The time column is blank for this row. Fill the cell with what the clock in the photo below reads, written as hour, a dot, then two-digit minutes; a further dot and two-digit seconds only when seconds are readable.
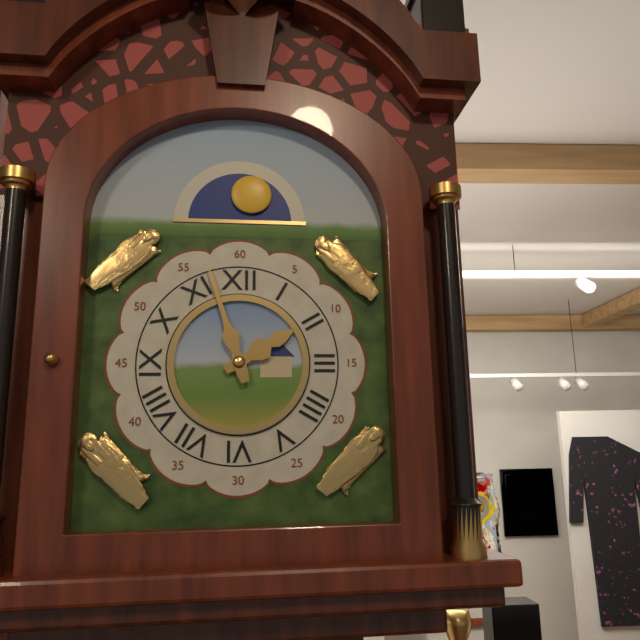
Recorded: 1.57
